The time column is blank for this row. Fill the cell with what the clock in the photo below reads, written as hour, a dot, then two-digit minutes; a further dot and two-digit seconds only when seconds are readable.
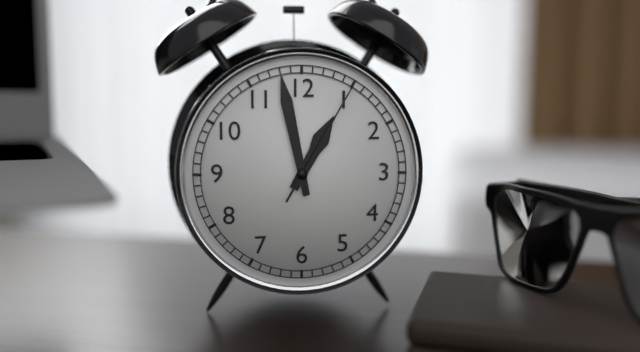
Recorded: 12.58.05
